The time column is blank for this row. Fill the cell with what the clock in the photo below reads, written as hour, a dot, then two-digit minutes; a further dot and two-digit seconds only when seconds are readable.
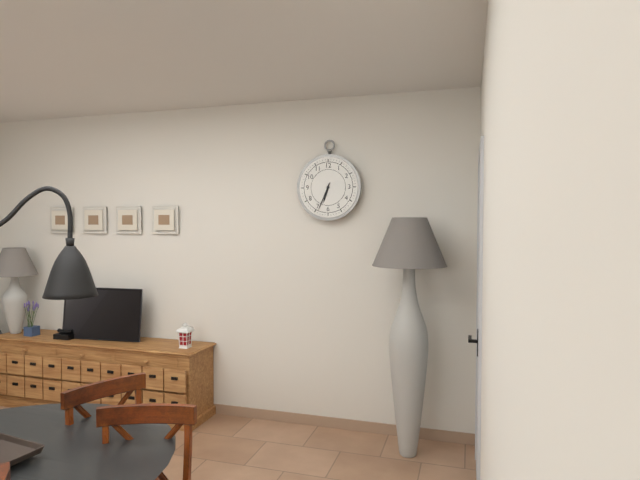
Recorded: 6.34
